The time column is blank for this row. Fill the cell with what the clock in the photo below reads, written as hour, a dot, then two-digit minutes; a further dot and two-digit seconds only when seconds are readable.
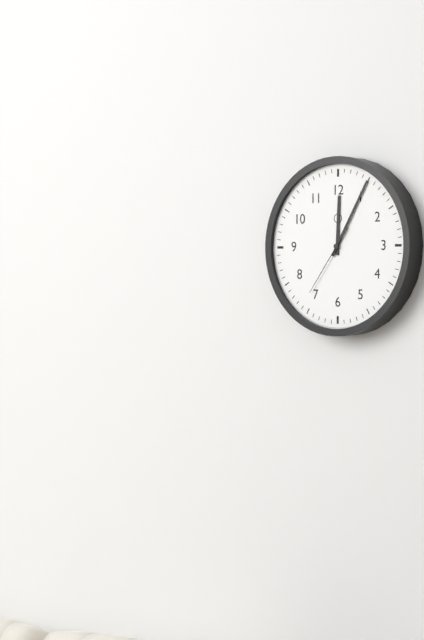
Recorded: 12.05.36
